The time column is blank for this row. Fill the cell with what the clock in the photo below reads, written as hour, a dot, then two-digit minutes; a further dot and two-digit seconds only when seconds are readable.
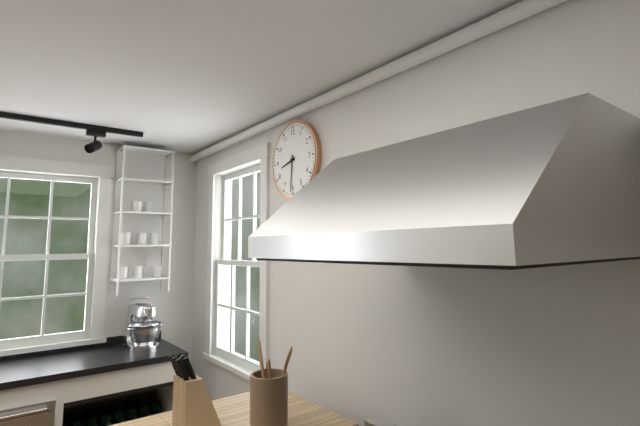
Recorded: 8.31
